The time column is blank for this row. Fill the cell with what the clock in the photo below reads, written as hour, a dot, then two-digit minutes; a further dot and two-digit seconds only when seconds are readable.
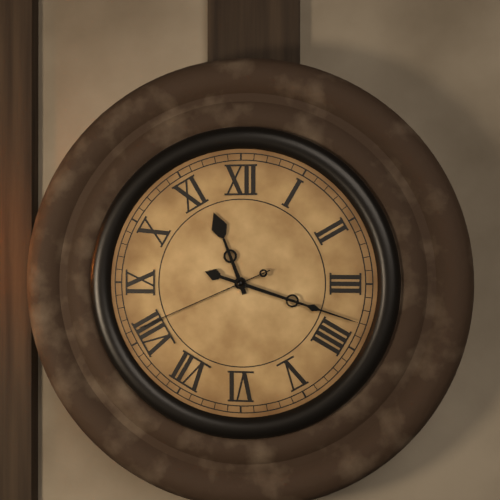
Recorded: 11.18.41
